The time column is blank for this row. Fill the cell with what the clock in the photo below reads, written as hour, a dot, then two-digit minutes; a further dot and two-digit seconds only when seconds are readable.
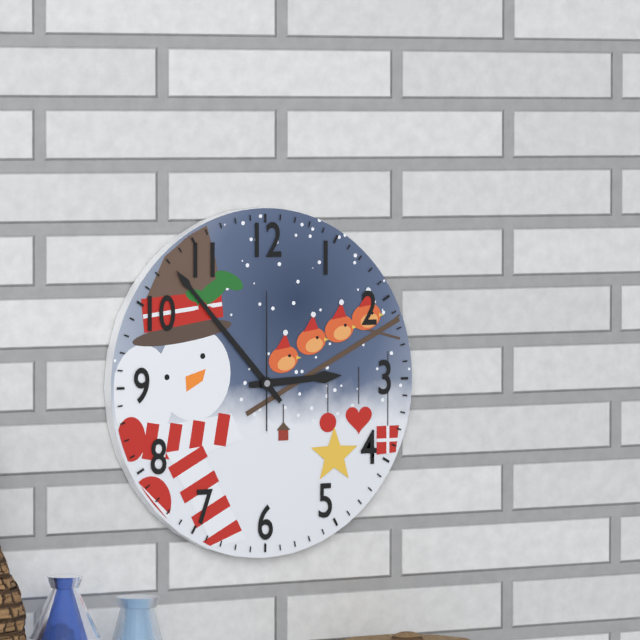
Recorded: 2.53.00
